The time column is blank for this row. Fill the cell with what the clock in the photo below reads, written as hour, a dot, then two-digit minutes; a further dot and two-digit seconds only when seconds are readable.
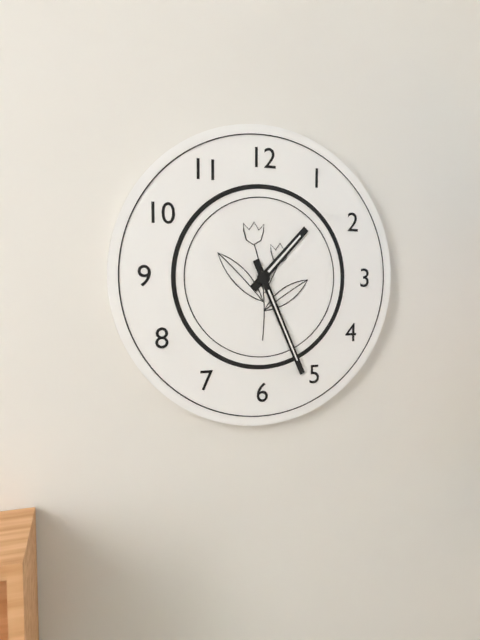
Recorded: 1.26
